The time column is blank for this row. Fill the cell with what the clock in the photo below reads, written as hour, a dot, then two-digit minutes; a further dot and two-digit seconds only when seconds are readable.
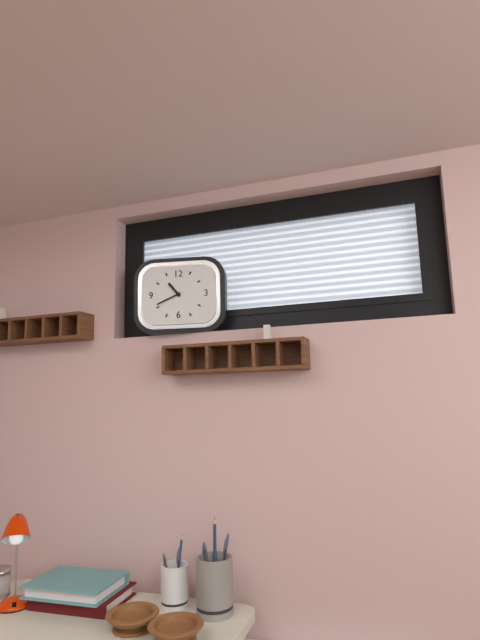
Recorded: 10.41
